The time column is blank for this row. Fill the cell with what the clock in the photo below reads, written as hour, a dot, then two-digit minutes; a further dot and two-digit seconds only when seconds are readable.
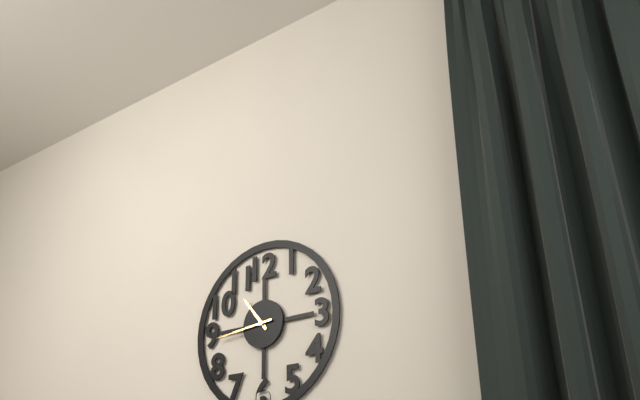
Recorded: 10.44
